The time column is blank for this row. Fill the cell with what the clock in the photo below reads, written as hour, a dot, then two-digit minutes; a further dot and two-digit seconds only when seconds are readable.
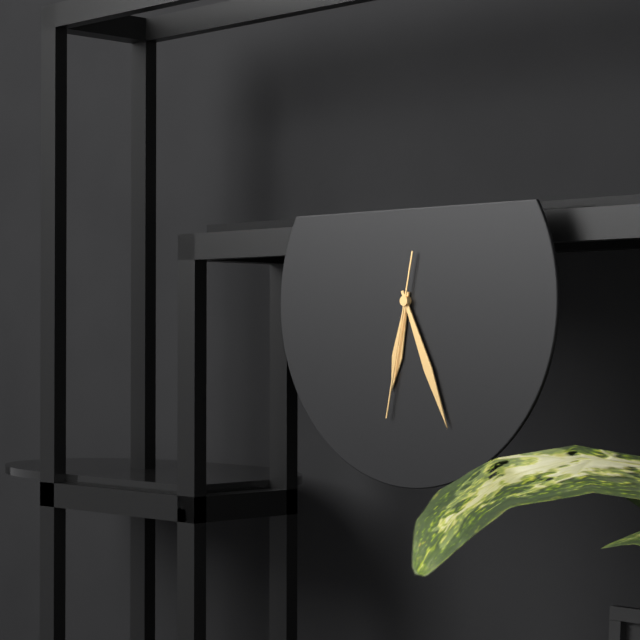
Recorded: 6.26.32
